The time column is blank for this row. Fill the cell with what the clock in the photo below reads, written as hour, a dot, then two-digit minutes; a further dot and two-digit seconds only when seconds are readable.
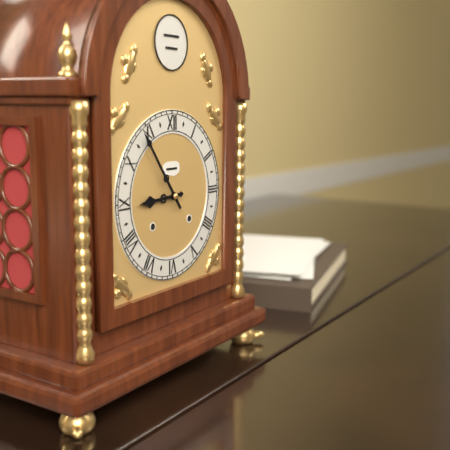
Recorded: 8.54
